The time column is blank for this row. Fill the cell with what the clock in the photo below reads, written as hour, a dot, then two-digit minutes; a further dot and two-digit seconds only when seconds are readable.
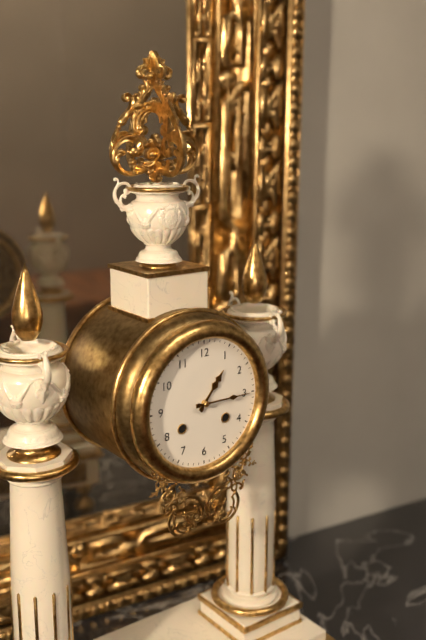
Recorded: 1.15
